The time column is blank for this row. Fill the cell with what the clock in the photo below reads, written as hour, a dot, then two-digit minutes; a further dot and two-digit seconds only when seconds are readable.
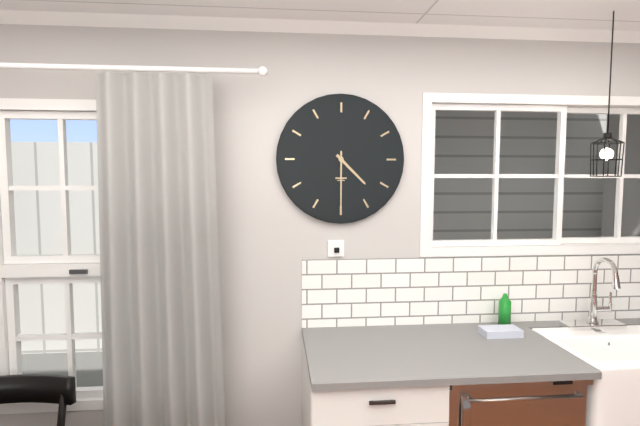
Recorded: 4.30
